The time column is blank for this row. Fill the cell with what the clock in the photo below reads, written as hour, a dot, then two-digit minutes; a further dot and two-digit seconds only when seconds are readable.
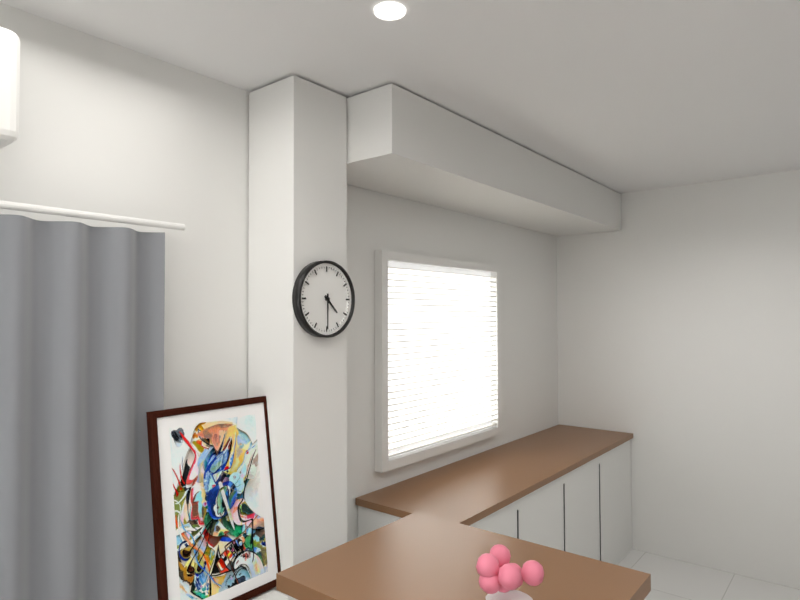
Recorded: 4.30
